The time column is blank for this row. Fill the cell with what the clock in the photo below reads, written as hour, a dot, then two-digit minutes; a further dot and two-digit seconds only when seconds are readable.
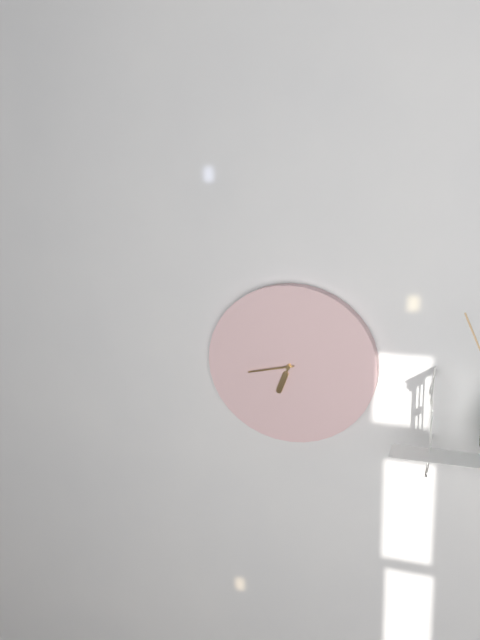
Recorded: 6.43
